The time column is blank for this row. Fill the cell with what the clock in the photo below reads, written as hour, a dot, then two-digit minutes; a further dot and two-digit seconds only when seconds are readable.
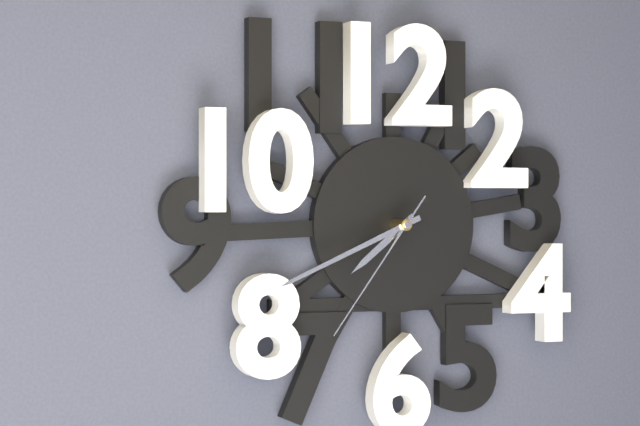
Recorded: 7.41.36
